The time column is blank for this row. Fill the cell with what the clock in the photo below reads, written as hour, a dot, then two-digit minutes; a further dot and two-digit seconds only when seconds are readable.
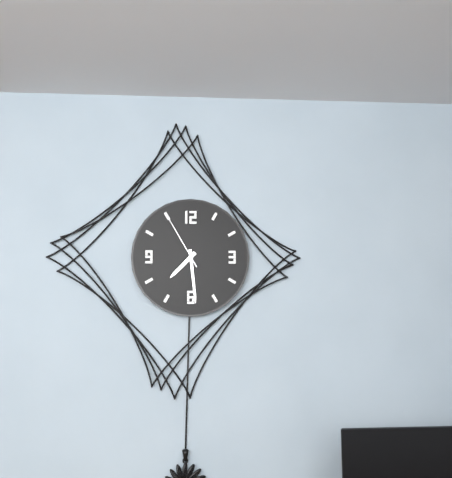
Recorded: 7.29.55
